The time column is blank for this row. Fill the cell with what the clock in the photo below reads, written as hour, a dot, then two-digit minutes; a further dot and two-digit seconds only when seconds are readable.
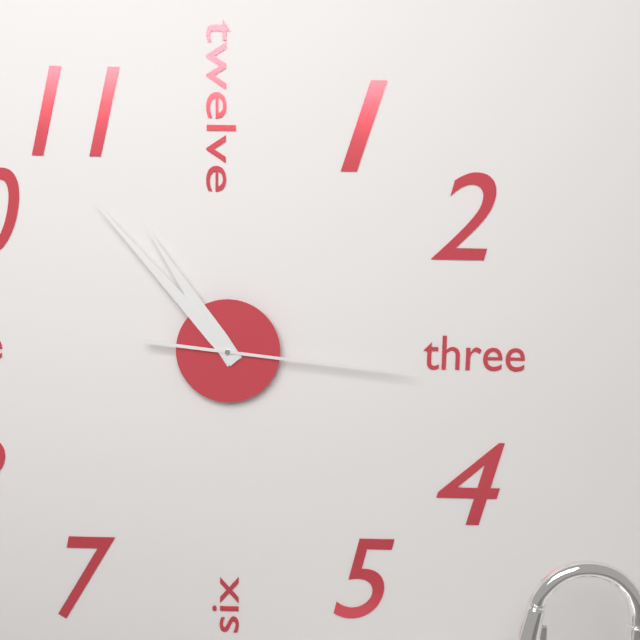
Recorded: 10.53.16
